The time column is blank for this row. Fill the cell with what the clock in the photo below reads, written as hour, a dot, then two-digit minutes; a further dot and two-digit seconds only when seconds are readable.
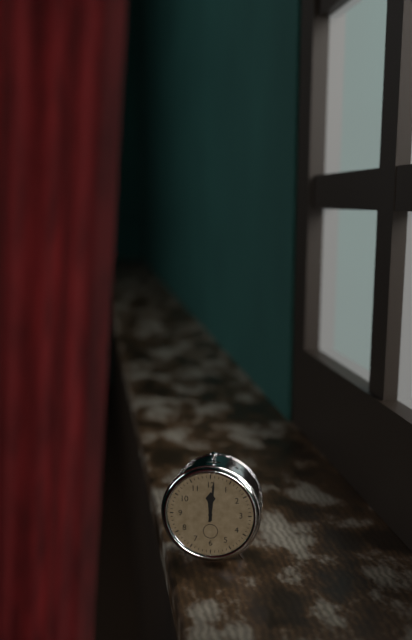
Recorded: 12.01
